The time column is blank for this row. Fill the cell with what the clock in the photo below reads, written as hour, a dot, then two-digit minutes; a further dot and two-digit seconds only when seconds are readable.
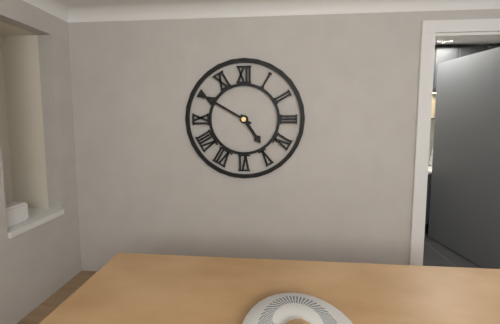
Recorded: 4.50
